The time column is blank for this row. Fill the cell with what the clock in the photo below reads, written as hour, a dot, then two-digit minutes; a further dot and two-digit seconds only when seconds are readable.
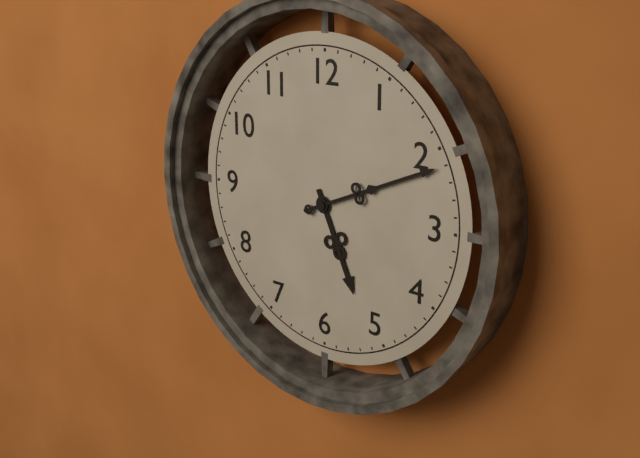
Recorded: 5.11
